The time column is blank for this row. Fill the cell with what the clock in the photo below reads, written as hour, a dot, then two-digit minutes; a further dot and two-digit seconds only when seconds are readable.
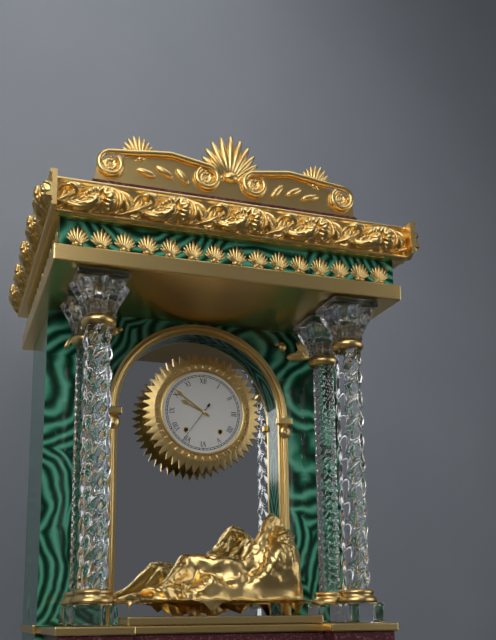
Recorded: 9.51
